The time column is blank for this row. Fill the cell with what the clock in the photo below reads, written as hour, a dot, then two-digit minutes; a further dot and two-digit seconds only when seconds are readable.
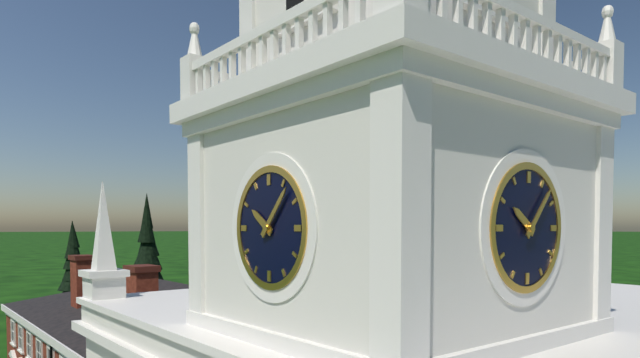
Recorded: 10.07
